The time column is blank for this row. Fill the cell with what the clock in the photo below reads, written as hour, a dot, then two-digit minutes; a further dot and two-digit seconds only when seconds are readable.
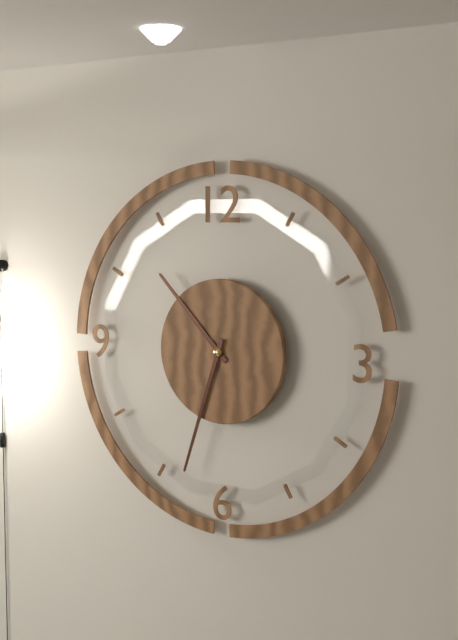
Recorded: 10.33
